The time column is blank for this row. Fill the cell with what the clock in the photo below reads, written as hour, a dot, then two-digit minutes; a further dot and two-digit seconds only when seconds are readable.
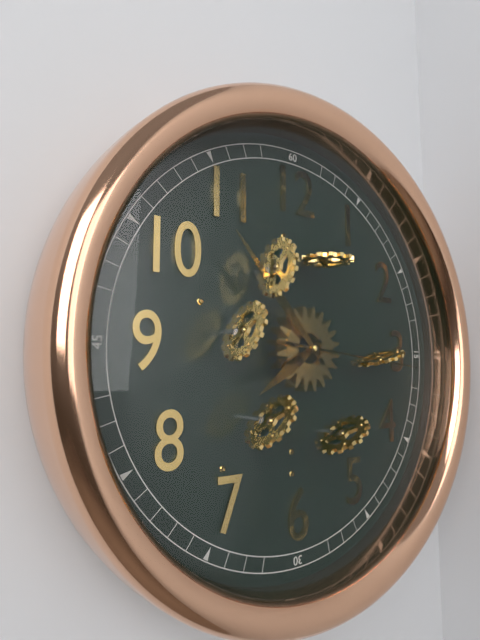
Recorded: 7.53.16
